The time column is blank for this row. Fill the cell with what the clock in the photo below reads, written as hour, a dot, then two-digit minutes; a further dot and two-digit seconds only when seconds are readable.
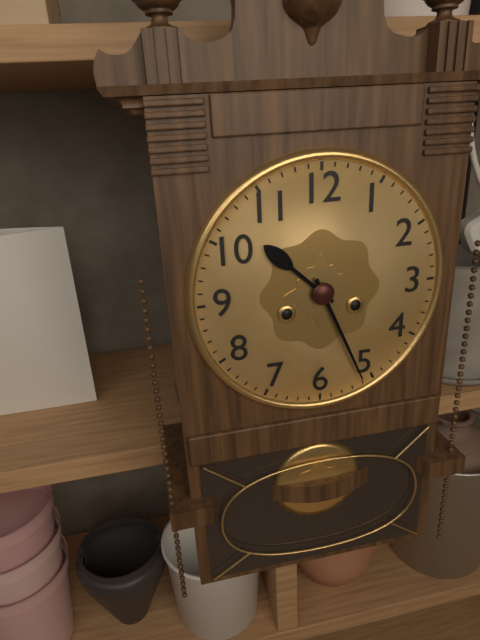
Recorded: 10.26
